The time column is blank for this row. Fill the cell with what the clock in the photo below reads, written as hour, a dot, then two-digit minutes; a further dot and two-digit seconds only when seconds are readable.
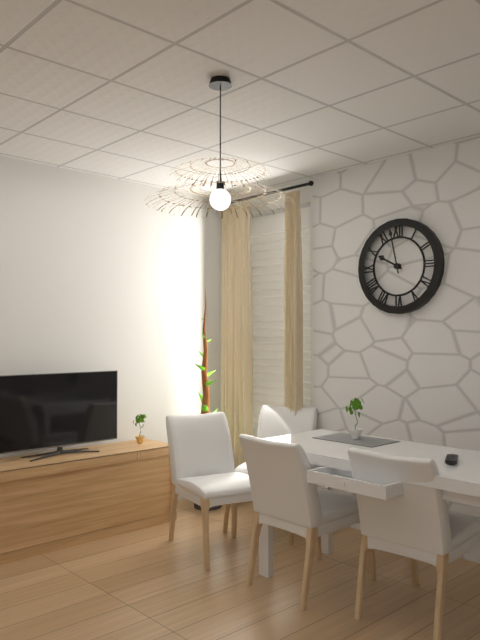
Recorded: 9.58
